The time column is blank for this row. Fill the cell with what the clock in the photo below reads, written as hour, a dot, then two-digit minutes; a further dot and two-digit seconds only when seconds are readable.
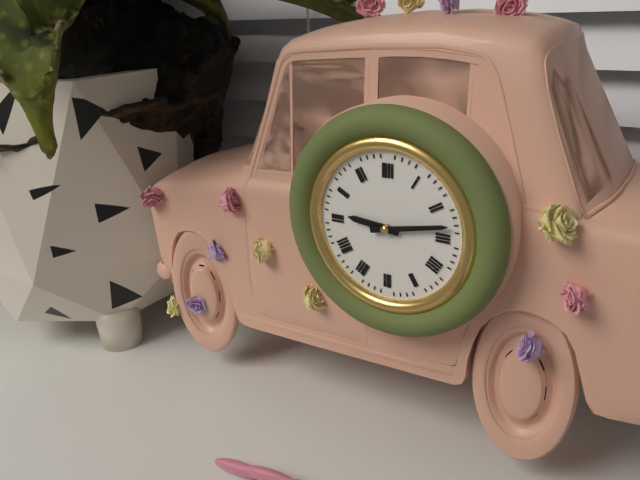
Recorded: 9.13
